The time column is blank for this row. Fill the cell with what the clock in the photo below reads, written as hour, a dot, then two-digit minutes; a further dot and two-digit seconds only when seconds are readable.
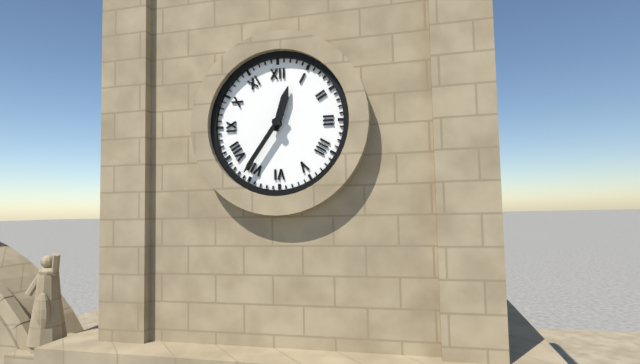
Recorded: 12.36
